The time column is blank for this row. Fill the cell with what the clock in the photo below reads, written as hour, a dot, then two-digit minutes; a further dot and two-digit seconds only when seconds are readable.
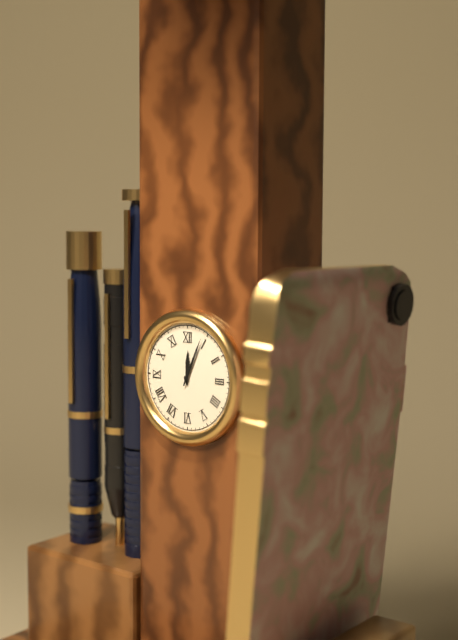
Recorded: 12.04
